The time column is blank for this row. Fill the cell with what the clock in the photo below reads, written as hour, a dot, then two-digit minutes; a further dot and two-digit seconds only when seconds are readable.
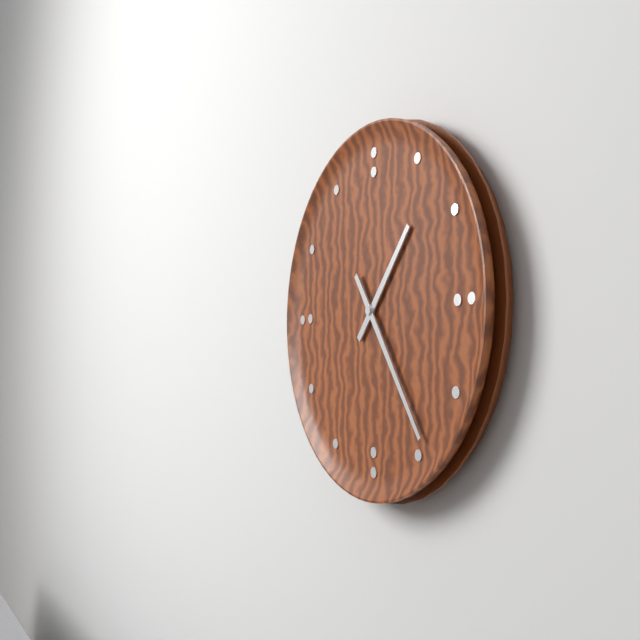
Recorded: 1.24
